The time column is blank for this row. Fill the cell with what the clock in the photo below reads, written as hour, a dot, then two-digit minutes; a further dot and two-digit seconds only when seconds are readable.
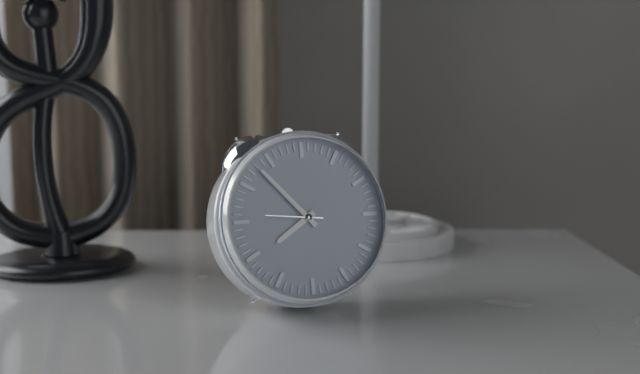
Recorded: 7.53.46
